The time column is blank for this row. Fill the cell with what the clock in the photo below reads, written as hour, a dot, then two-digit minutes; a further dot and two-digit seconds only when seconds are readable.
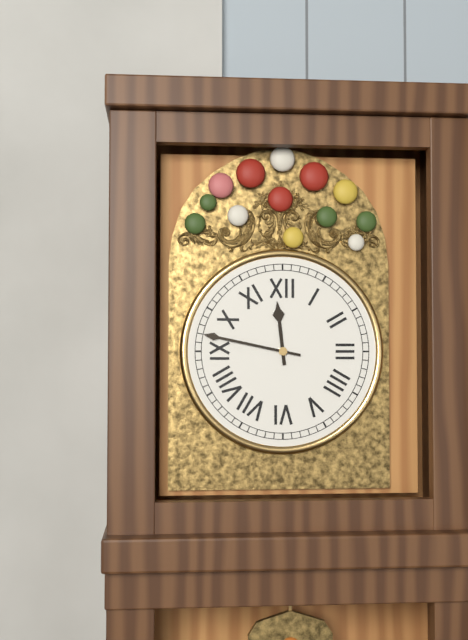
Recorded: 11.47
